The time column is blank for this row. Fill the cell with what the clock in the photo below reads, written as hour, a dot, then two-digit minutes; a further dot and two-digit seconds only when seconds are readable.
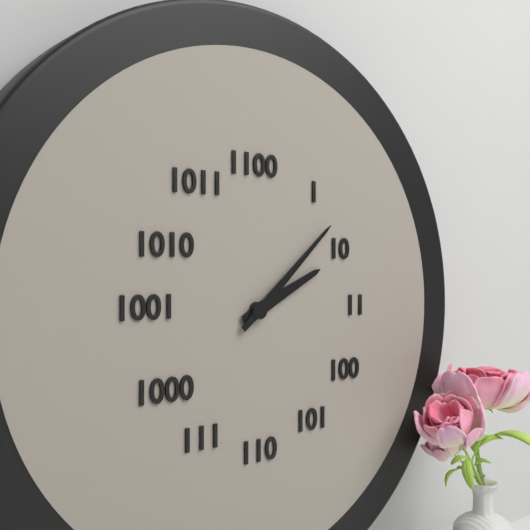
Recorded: 2.08
